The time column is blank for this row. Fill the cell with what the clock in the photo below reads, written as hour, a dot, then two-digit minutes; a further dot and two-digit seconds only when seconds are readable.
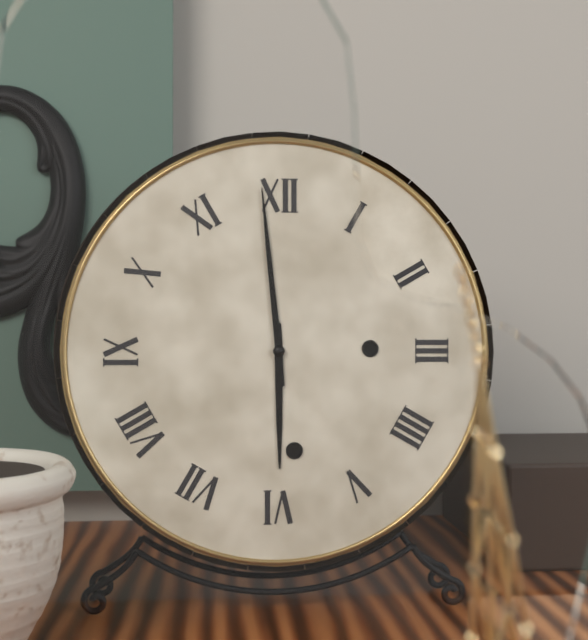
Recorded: 5.59
